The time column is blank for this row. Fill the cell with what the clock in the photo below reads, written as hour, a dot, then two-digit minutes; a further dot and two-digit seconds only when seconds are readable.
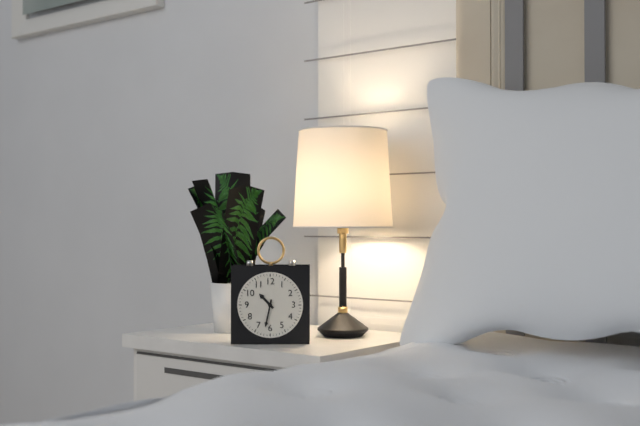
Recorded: 10.32
